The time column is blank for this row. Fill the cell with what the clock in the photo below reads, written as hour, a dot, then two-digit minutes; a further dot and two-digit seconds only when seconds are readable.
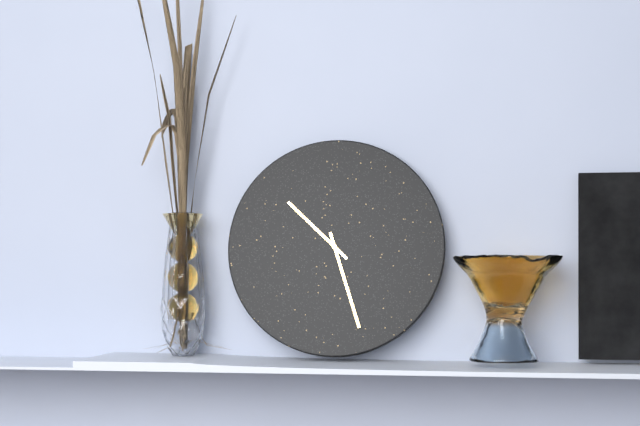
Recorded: 10.27
